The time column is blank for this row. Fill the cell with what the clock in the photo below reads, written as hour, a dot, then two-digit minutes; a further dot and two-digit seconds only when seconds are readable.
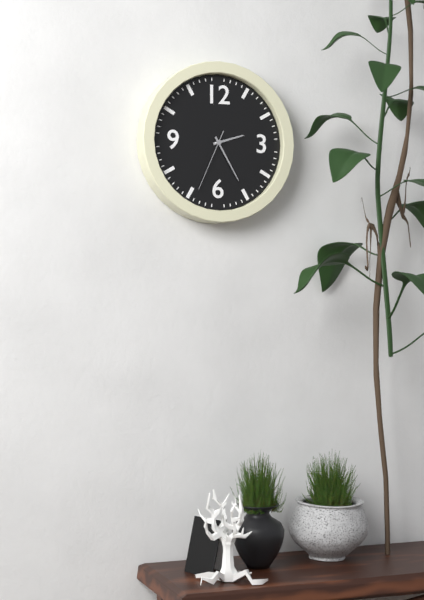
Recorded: 2.25.34
